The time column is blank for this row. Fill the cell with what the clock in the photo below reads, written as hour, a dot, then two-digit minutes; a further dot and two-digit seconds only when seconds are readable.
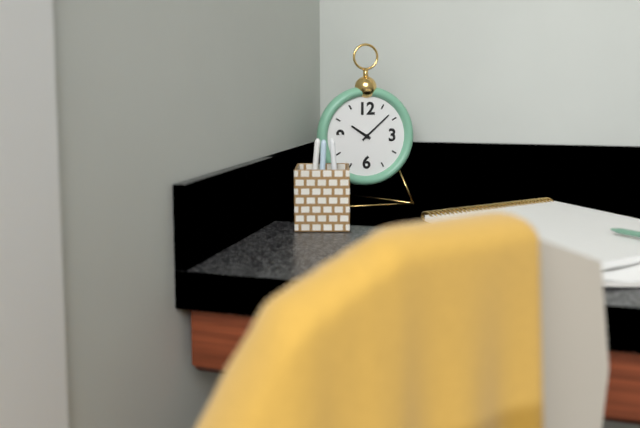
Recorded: 10.08
